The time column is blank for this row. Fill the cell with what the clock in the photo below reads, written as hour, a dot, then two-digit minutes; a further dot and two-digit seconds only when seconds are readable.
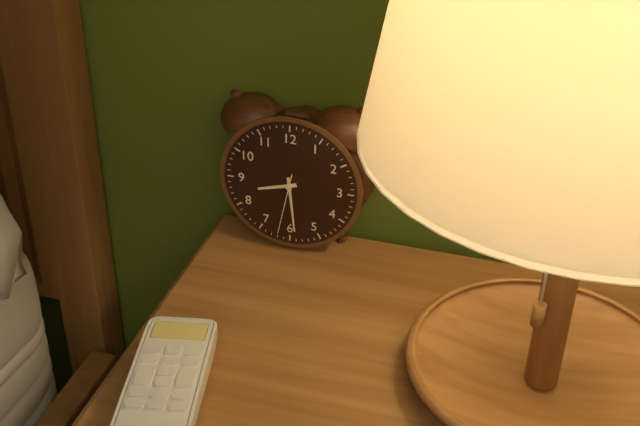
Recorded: 8.29.32
